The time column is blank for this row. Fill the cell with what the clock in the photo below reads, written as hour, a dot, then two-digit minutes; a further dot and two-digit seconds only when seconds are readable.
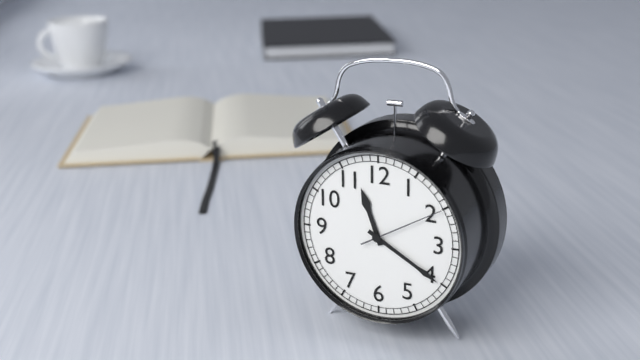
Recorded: 11.20.10
